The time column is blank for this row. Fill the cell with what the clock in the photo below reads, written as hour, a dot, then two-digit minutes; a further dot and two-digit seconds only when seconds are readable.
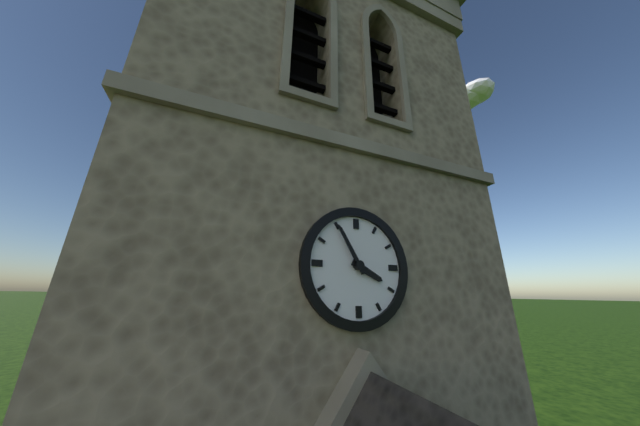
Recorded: 3.55
